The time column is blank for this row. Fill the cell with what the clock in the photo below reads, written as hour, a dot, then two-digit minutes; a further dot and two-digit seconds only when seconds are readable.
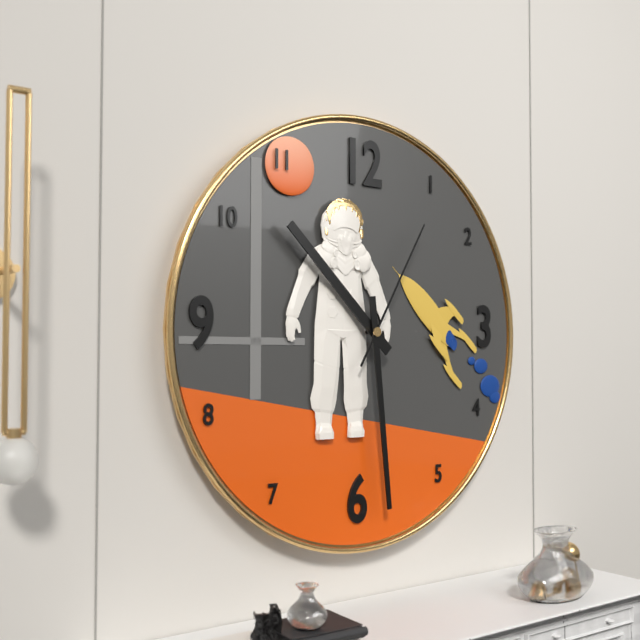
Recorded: 10.29.05
